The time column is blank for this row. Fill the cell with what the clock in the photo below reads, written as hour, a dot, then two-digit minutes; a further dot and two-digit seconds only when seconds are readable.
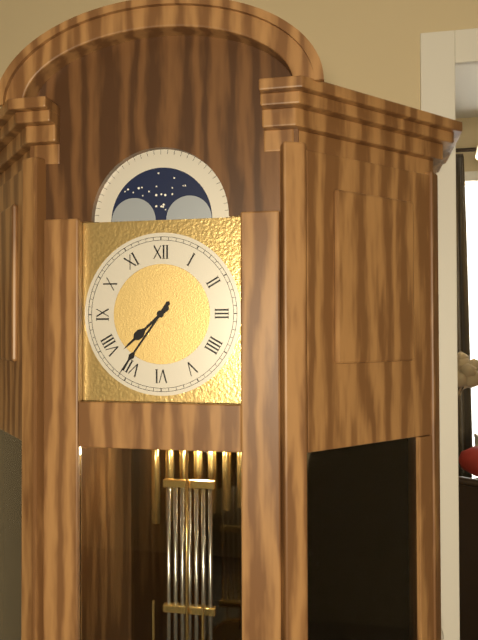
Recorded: 7.36
